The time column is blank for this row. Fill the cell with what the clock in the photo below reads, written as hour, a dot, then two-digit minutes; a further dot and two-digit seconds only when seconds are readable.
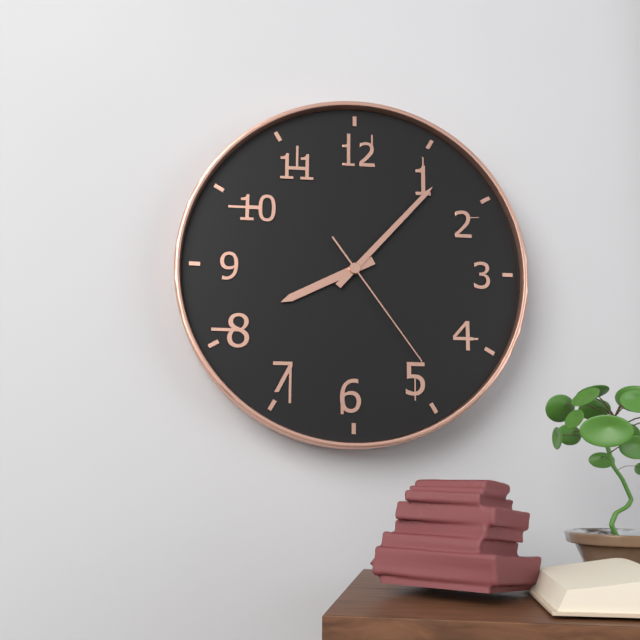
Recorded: 8.07.24
